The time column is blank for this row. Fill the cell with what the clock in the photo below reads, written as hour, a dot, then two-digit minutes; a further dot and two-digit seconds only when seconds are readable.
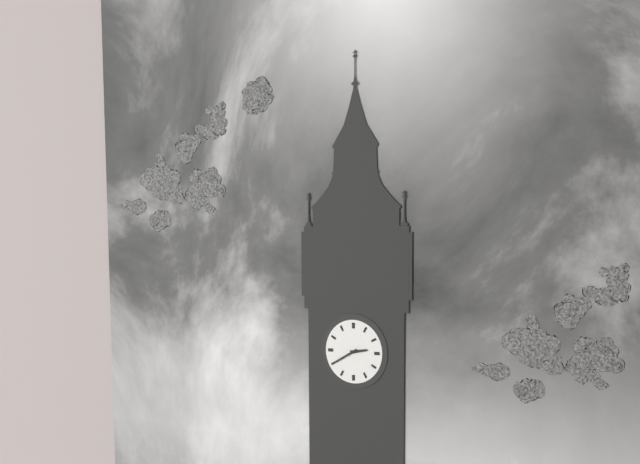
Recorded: 2.40
